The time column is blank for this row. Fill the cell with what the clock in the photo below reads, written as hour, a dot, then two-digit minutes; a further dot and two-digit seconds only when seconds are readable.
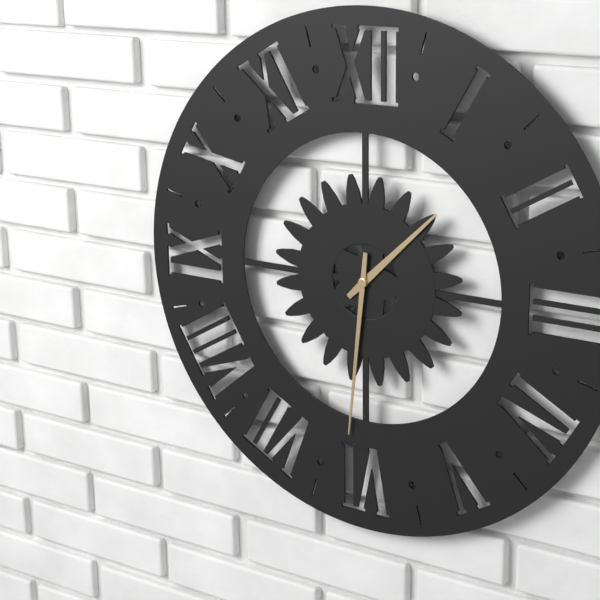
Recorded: 1.31
